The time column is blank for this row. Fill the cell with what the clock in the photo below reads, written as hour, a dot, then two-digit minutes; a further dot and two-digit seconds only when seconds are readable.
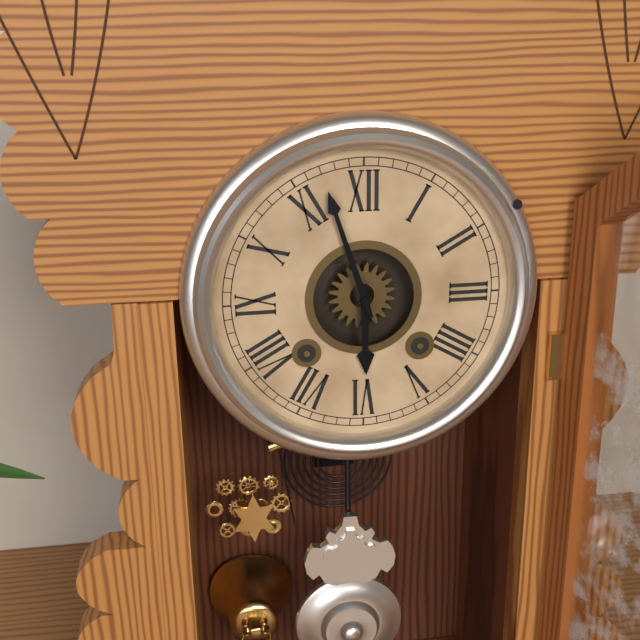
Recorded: 5.57
